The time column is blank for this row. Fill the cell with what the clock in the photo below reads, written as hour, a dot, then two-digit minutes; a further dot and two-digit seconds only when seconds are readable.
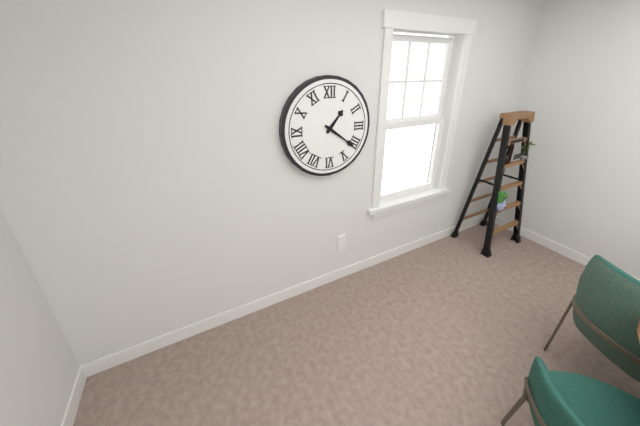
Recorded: 1.21
